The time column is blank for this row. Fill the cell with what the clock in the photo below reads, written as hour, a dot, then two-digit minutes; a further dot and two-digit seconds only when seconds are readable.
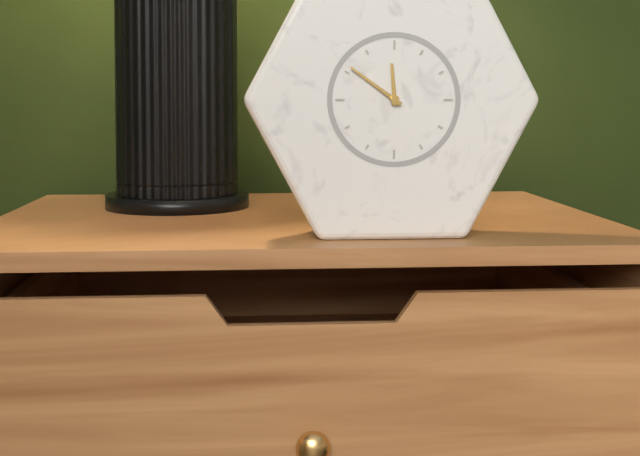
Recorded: 11.51
